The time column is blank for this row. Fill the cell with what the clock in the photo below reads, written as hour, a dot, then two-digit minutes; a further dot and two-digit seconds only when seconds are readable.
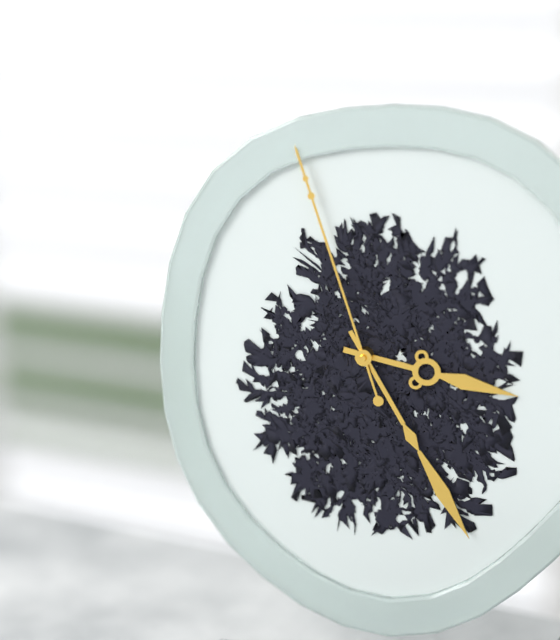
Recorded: 3.25.57
